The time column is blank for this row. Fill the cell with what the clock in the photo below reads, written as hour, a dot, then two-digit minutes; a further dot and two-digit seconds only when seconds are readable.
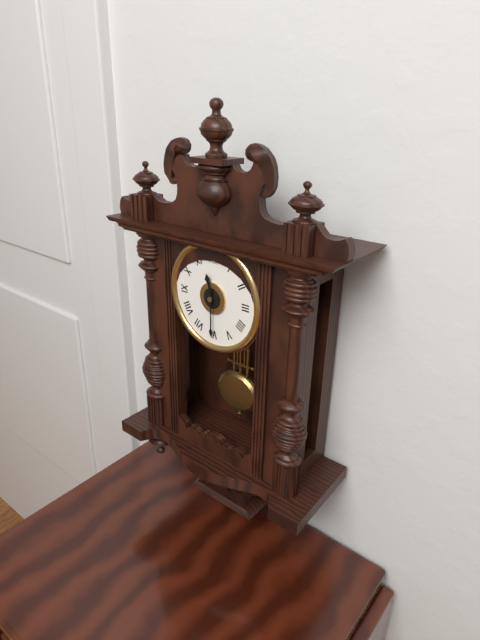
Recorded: 11.30
